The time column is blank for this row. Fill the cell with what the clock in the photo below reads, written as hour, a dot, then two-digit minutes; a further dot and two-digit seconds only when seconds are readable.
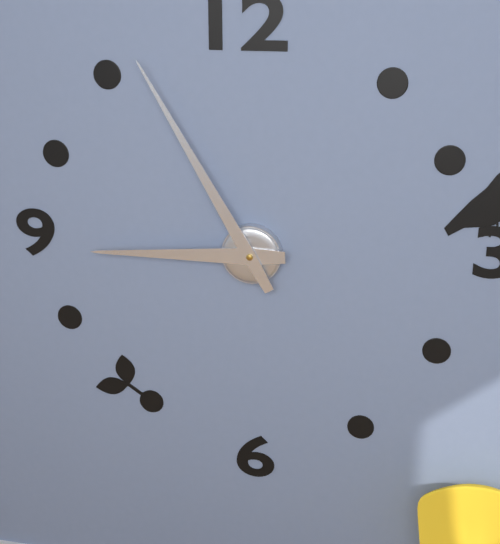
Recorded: 8.55
